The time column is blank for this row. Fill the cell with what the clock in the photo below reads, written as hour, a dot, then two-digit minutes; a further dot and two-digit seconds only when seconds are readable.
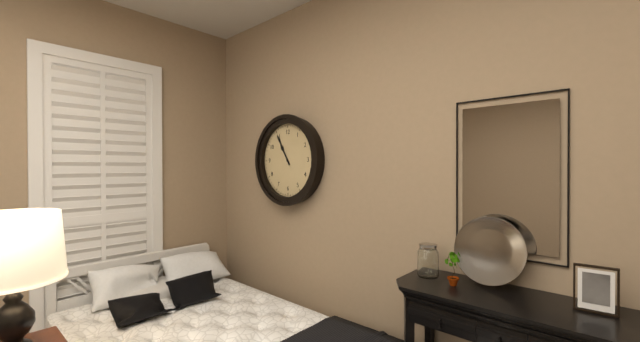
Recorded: 10.55
